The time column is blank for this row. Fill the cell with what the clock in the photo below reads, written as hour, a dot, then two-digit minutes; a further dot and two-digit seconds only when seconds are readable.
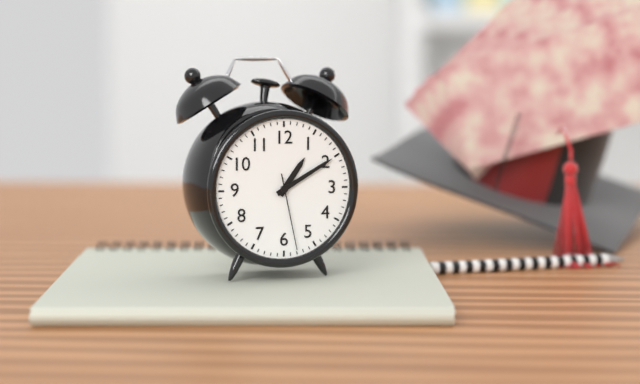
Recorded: 1.10.28
